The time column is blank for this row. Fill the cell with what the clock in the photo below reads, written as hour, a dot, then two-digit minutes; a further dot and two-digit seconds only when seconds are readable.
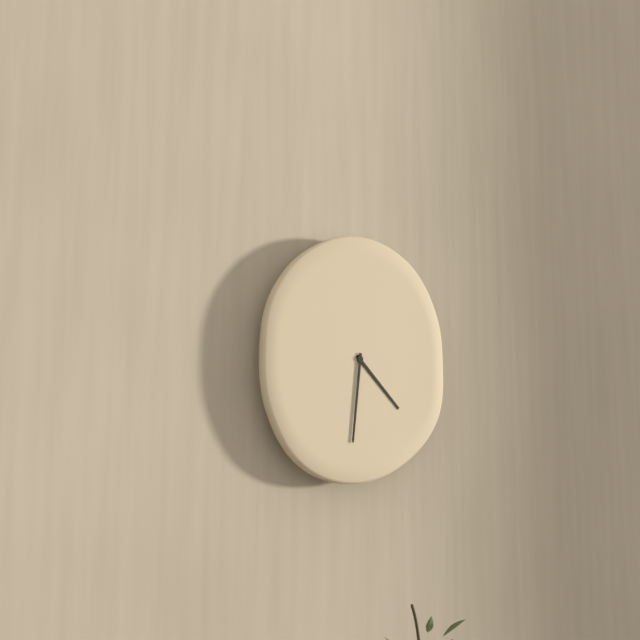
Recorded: 4.31
